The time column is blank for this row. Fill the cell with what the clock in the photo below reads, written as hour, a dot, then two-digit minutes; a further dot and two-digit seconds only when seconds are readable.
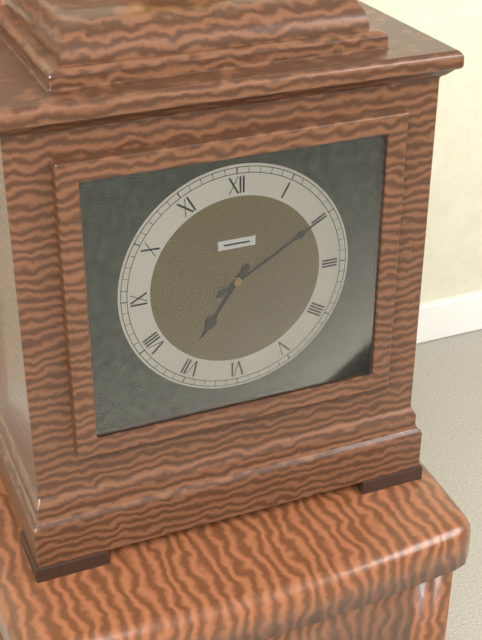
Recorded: 7.10
